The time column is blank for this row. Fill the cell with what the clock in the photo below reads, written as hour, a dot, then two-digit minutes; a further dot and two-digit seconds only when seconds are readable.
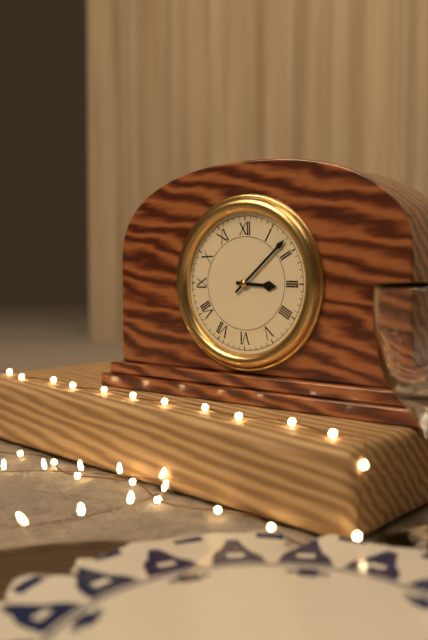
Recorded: 3.08
